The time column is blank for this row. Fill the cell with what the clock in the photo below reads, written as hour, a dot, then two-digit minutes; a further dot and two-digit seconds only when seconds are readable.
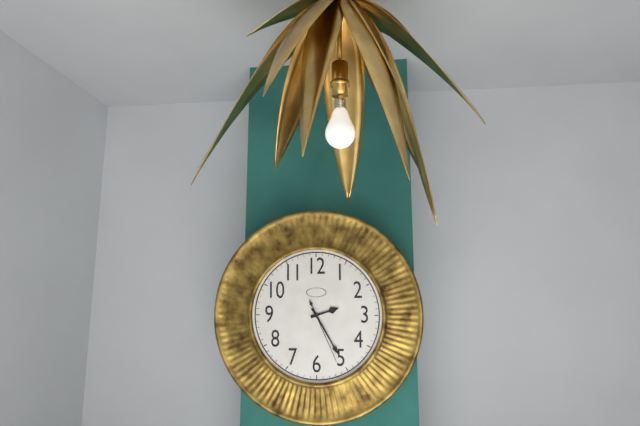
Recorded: 2.25.26
